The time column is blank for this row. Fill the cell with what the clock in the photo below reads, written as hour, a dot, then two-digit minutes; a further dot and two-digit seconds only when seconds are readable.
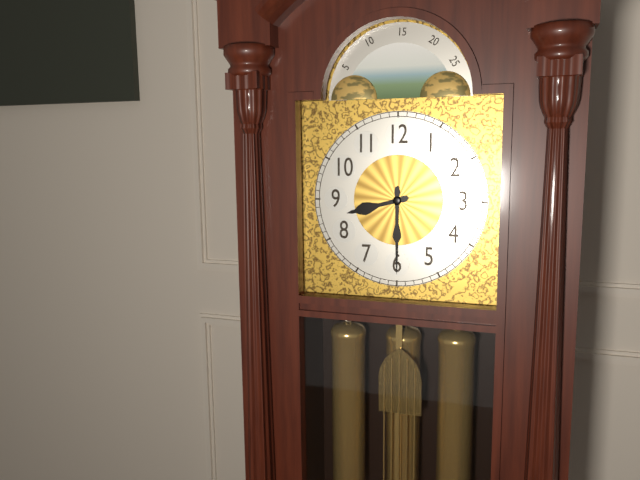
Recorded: 8.30
